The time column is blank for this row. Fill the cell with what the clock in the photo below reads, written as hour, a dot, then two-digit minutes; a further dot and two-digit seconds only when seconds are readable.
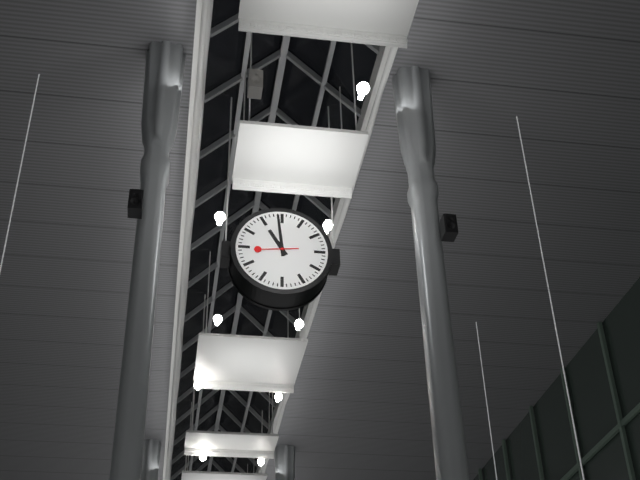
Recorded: 10.59
